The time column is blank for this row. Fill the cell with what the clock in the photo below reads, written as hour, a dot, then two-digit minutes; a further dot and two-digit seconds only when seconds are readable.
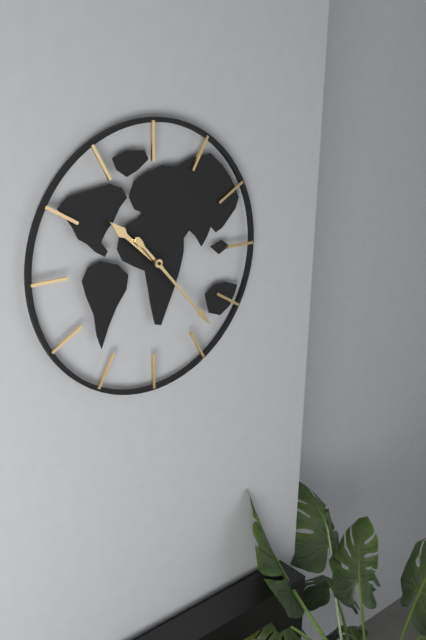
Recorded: 10.23
